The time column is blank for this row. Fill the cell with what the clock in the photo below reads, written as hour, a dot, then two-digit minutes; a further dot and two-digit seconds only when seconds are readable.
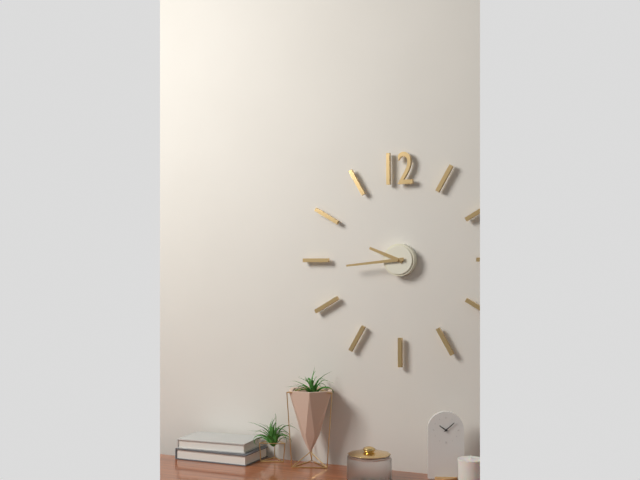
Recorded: 9.44
